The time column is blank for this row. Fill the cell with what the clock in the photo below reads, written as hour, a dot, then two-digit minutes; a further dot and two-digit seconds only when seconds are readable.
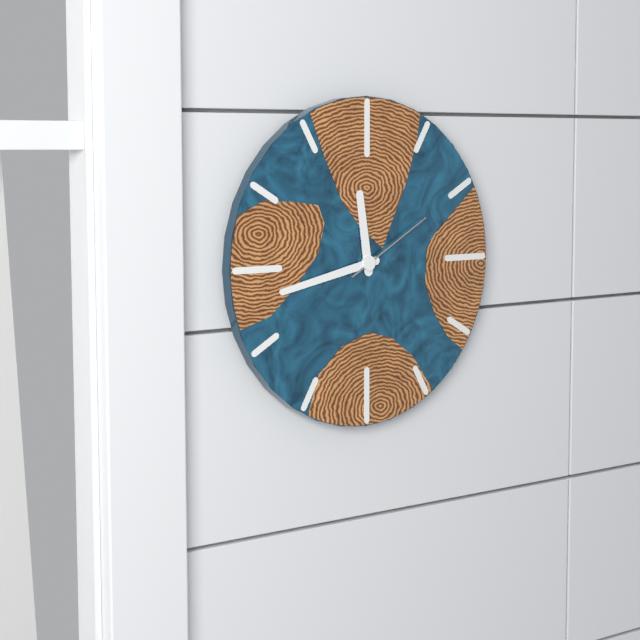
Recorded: 11.43.10
